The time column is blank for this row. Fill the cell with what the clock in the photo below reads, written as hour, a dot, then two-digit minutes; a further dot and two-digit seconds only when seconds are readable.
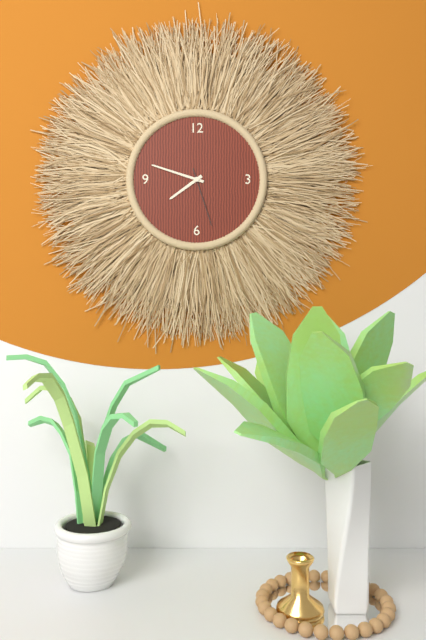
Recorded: 7.48.27
